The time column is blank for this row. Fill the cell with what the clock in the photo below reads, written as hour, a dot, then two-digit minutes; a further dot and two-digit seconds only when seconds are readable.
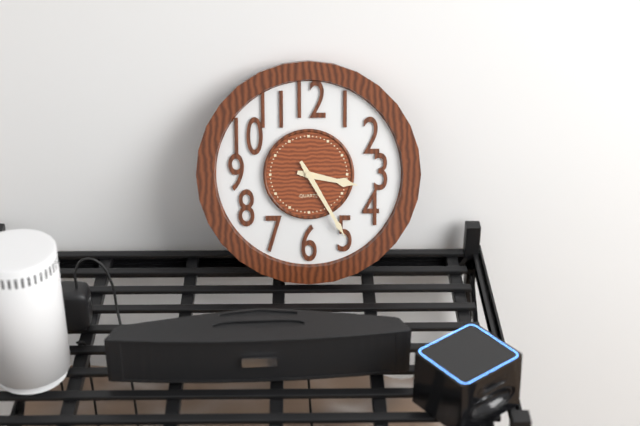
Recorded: 3.25
